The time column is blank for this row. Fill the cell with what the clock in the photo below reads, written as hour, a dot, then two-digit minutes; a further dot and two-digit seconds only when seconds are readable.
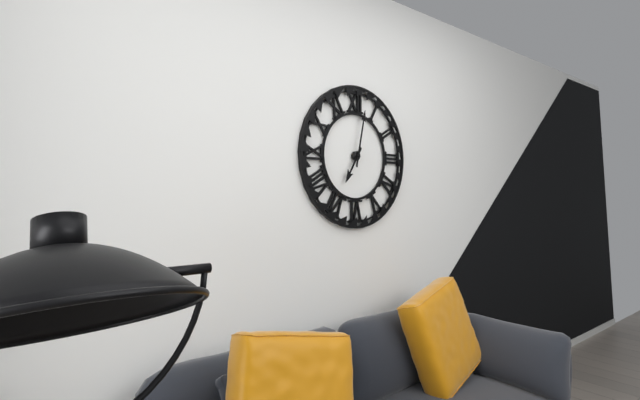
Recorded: 7.02
